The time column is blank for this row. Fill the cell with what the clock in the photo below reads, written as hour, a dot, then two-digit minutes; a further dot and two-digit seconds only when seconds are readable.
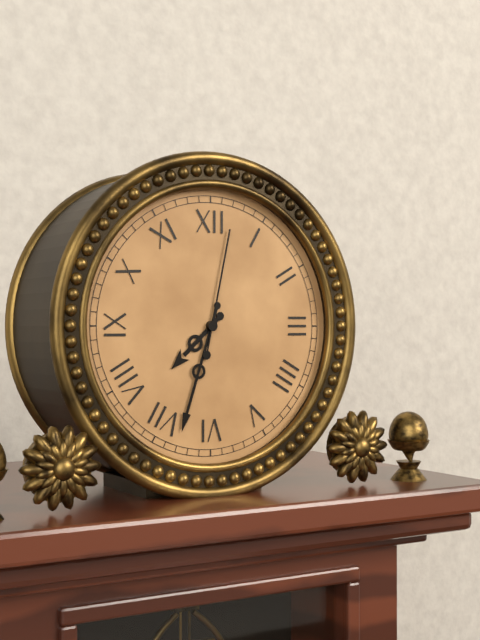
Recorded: 7.33.02
